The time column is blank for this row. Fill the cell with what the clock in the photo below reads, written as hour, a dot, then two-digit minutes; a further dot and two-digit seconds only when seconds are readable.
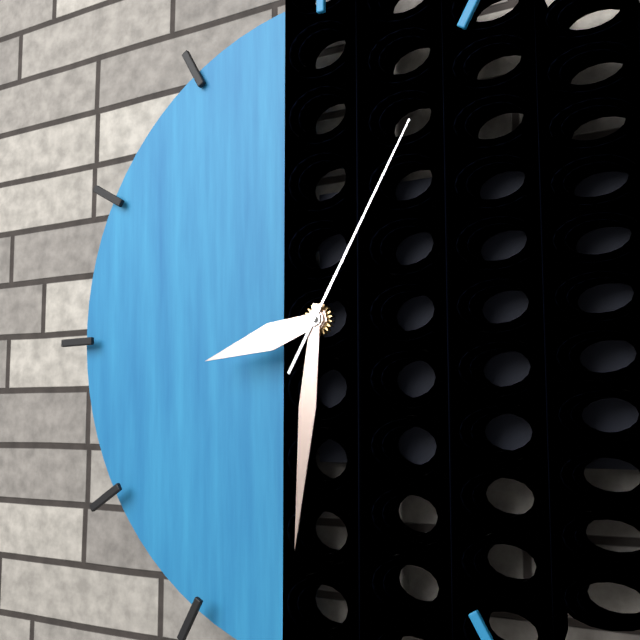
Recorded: 8.31.05
